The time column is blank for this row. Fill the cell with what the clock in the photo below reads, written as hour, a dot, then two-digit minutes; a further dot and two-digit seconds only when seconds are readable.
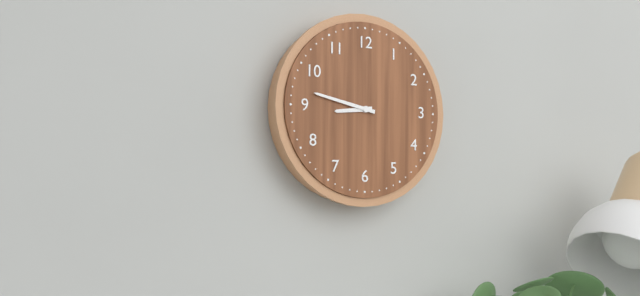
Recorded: 8.47
